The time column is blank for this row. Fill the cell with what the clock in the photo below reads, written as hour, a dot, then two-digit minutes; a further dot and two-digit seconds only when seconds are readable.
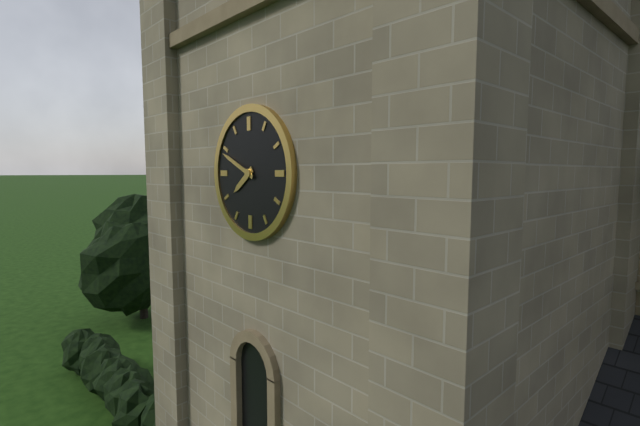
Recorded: 7.49
